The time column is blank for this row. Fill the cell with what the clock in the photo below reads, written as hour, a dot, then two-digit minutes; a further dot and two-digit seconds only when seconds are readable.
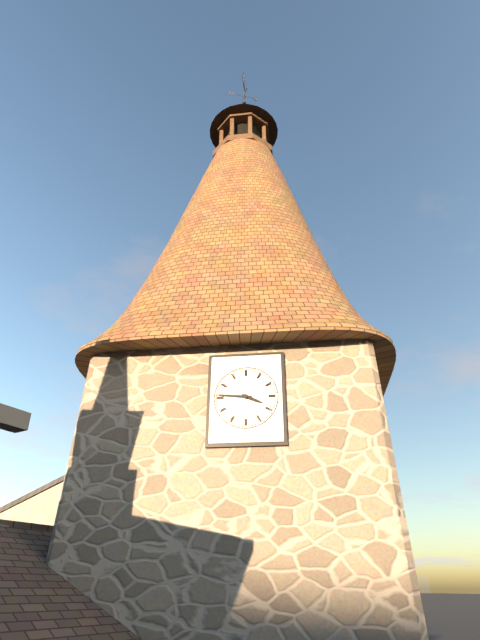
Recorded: 3.46
